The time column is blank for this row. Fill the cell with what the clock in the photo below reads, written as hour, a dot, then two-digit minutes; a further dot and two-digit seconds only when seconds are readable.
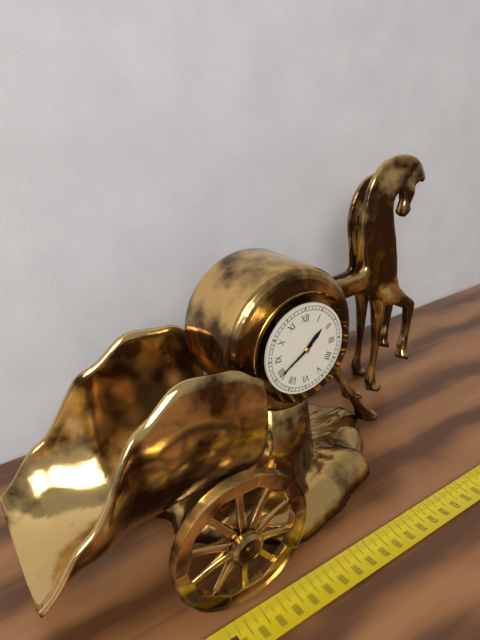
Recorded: 1.40
